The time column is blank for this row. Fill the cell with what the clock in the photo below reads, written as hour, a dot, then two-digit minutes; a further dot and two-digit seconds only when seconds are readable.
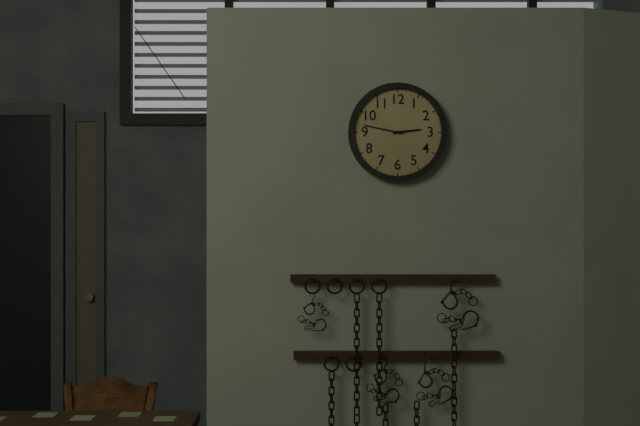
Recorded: 2.47
